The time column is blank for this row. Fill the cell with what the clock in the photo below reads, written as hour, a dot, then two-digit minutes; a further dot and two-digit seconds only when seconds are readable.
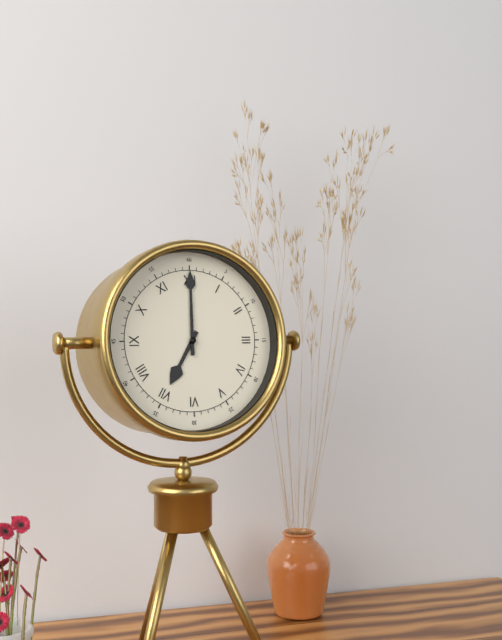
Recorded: 7.00
